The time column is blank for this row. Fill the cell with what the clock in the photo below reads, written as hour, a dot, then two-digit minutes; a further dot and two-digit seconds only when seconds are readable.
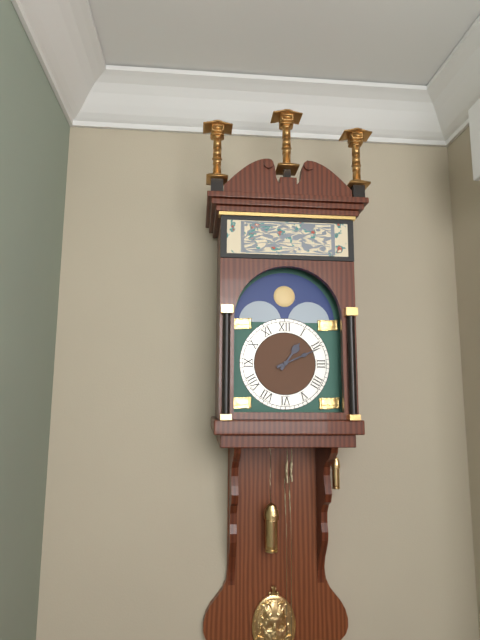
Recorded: 1.11
